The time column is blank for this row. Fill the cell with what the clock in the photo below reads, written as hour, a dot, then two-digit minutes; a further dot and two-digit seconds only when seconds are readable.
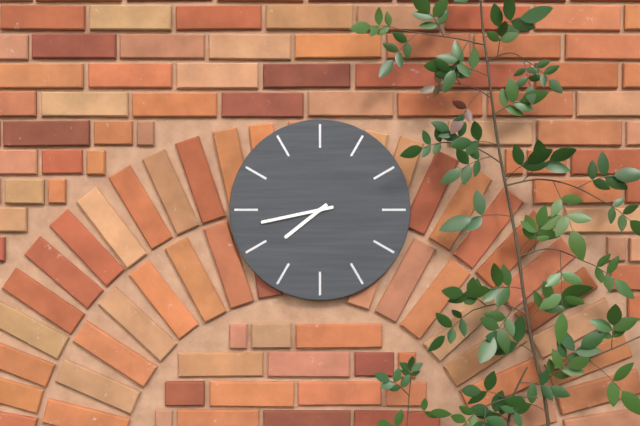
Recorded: 7.43
